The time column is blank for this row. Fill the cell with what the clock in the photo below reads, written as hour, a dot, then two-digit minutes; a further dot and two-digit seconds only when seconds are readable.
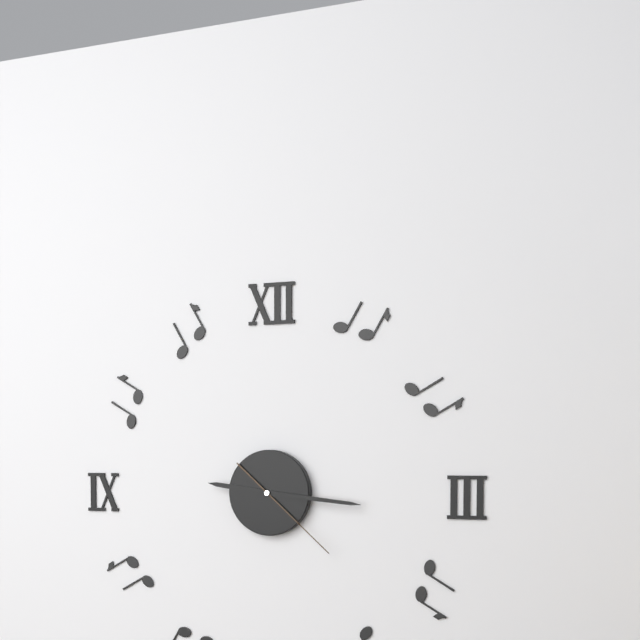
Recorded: 9.16.22
